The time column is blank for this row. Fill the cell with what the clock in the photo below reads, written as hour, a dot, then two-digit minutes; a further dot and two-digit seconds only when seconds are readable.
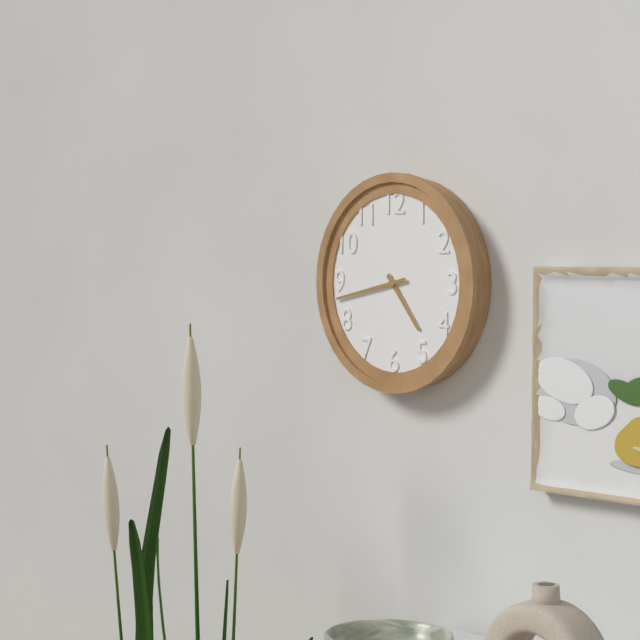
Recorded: 4.43
